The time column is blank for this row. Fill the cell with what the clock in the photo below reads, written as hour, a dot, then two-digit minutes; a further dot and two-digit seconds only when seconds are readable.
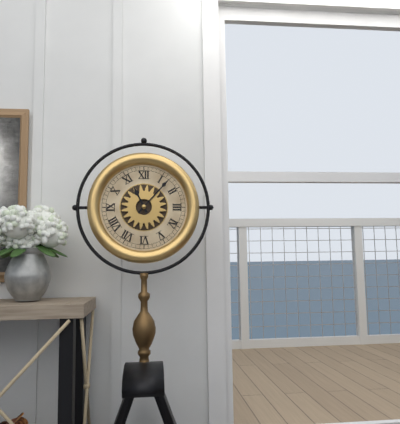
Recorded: 11.07
